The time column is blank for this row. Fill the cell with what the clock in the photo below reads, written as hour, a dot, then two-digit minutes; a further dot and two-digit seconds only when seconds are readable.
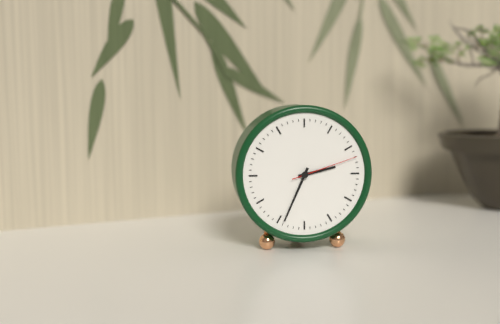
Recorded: 2.34.12
